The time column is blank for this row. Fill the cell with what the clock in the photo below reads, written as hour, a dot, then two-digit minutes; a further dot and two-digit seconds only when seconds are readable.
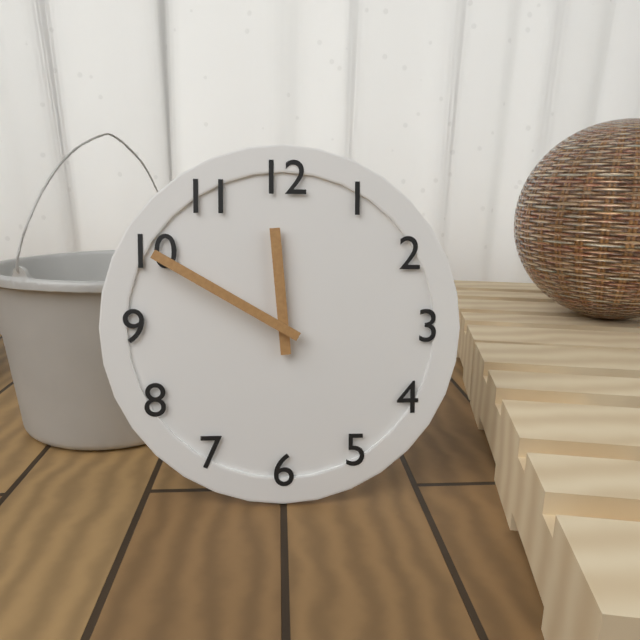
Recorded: 11.50
